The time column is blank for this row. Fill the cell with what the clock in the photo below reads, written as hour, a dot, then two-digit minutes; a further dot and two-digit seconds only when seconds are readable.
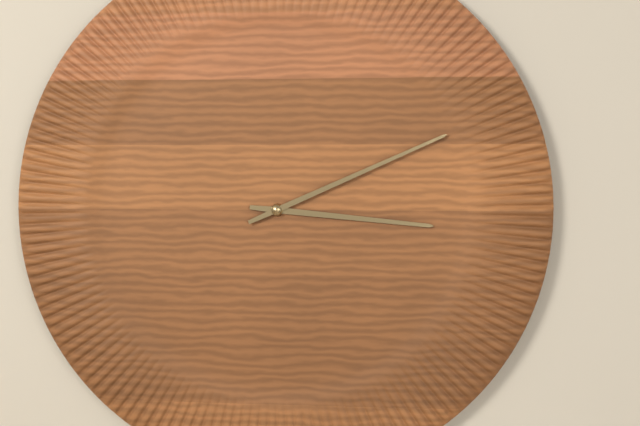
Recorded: 3.11
